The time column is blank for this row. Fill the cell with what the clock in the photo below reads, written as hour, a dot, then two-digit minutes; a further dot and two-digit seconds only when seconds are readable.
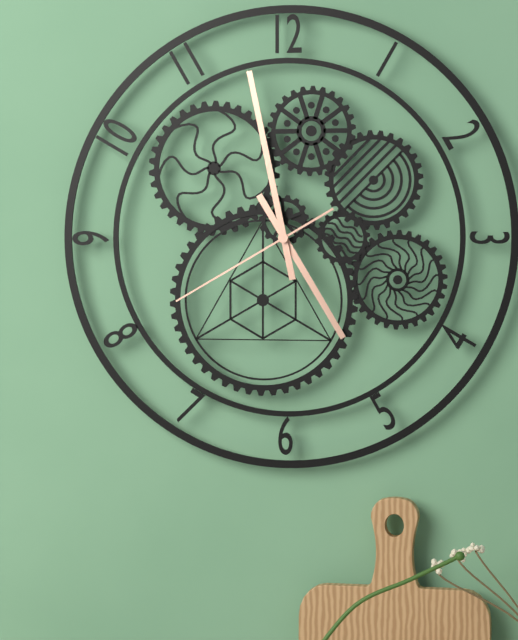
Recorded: 4.58.40
